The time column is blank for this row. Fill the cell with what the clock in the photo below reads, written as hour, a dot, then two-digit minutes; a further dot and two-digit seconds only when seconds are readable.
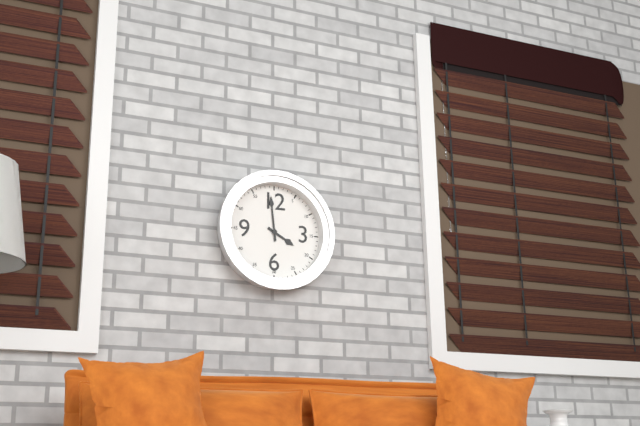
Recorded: 3.59
